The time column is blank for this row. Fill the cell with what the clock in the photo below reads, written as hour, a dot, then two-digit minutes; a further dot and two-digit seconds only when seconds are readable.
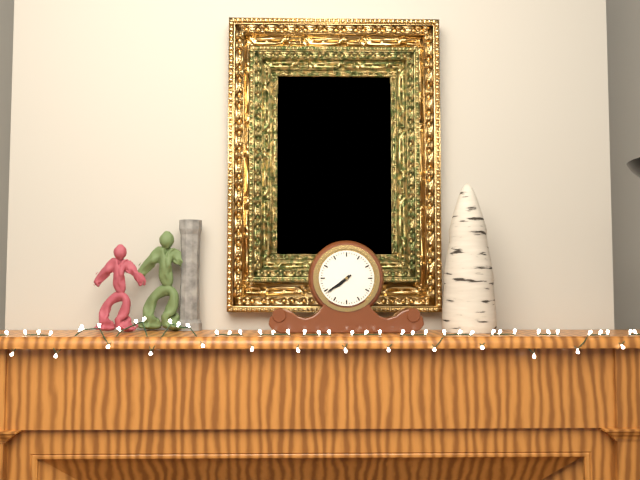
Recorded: 7.39
